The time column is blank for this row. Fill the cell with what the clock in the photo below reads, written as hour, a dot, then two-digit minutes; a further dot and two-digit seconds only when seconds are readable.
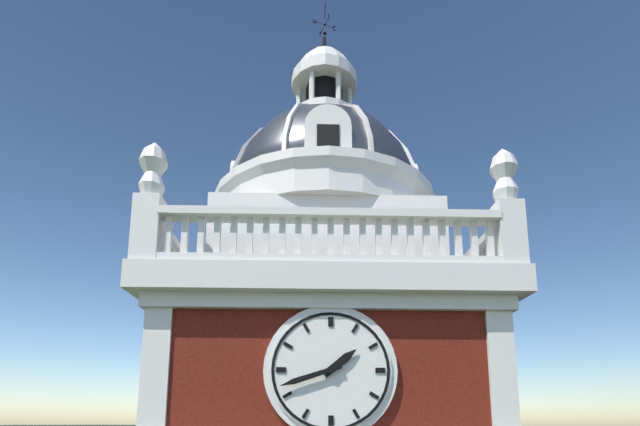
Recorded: 1.42
